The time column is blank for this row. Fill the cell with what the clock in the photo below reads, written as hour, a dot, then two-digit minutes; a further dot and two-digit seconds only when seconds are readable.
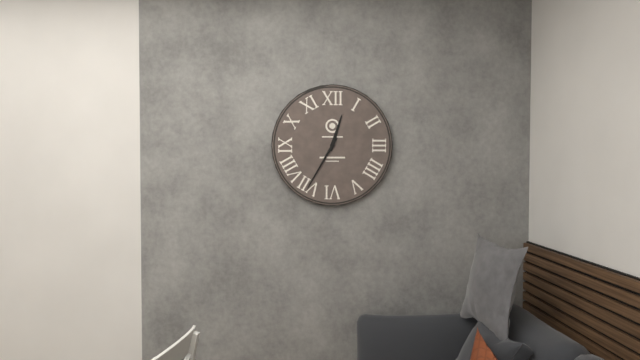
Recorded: 12.35
